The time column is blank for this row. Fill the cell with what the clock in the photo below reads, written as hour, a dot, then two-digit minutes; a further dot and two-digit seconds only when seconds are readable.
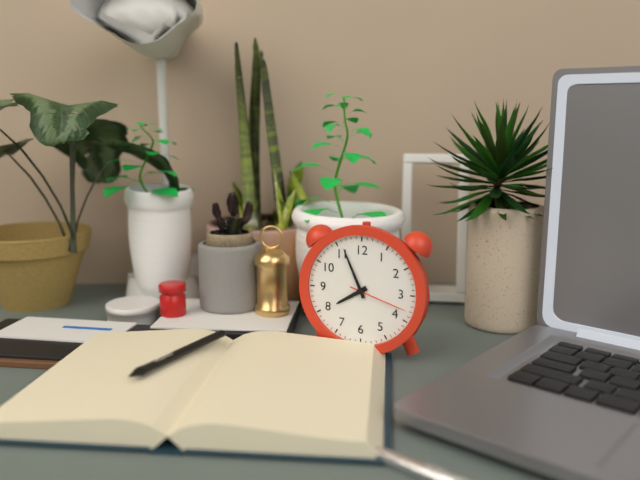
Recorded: 7.56.18
